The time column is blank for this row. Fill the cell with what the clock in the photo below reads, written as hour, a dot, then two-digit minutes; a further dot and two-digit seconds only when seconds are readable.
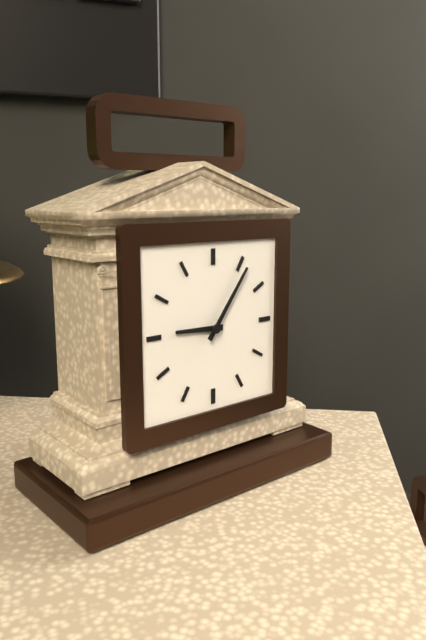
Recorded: 9.06
